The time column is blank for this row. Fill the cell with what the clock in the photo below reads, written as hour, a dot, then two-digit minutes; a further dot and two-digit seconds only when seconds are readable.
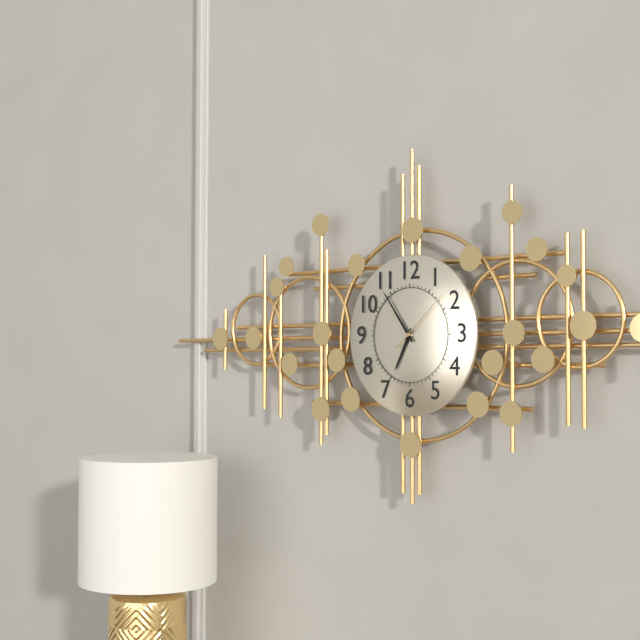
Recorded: 6.54.08
